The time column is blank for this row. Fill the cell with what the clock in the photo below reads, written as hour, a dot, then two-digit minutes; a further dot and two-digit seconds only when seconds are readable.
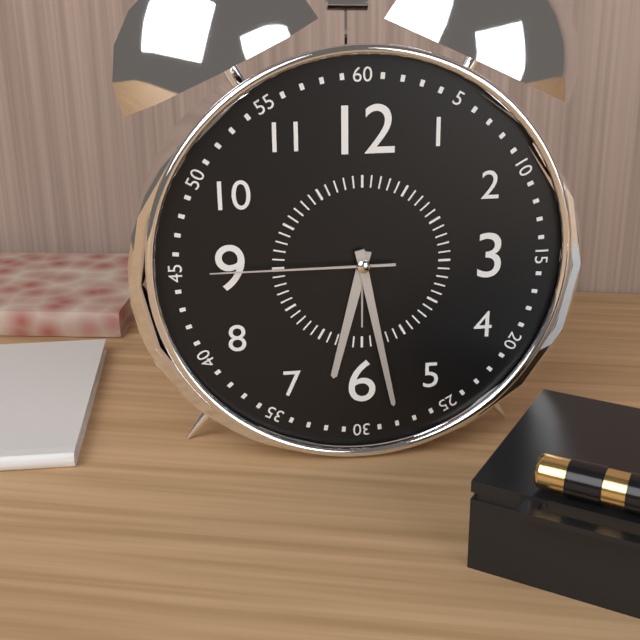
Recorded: 6.28.45
